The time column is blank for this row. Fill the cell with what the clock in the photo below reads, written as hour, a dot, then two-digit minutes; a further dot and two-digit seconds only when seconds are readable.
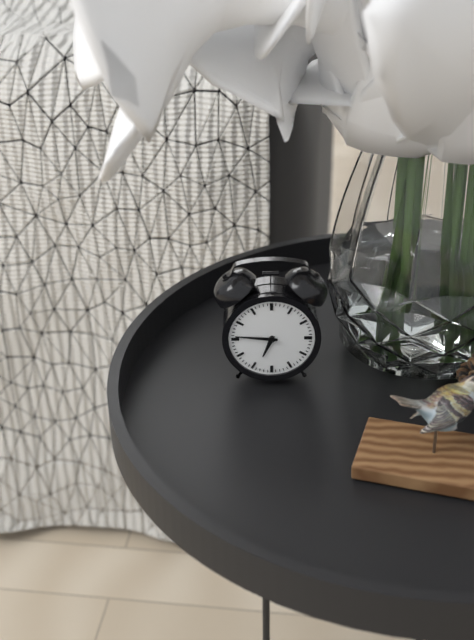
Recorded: 6.46
